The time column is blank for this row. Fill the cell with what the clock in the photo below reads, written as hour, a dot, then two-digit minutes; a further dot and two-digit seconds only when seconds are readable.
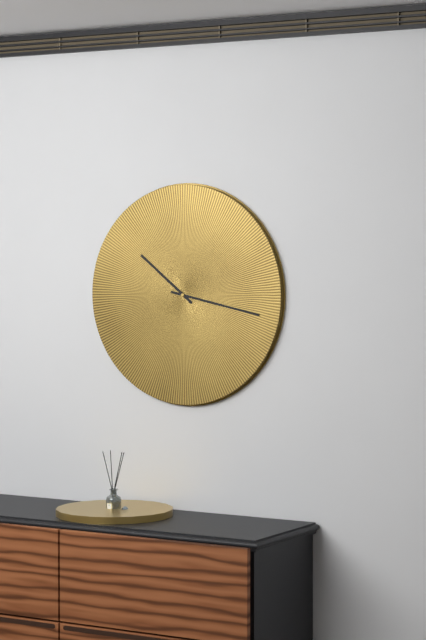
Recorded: 10.17
